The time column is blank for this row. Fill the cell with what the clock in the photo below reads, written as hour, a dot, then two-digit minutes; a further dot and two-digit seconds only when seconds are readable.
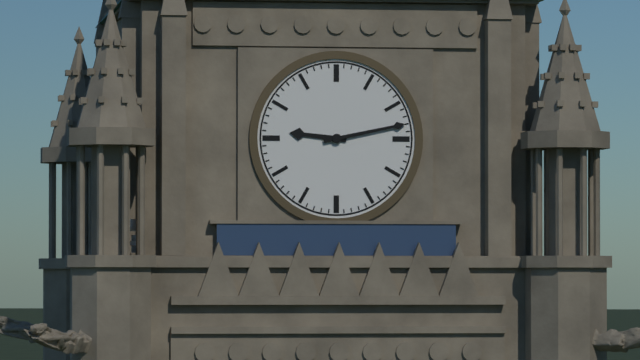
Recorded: 9.13
